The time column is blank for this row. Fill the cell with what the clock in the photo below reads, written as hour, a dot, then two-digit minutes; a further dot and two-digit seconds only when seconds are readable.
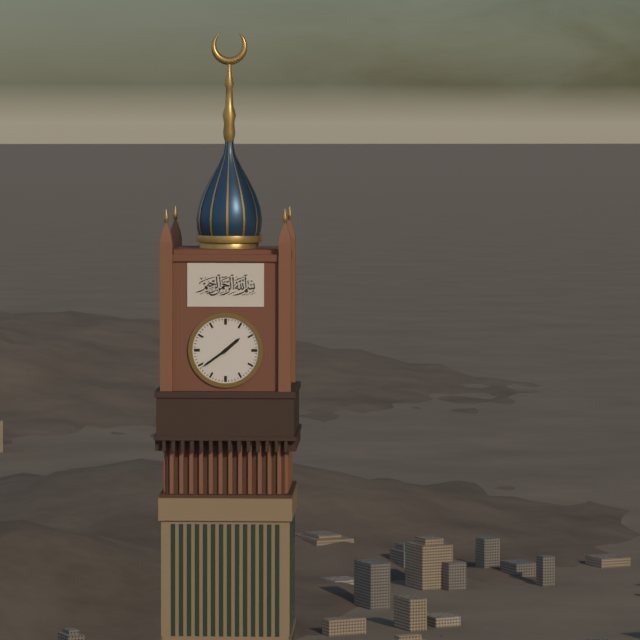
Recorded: 1.39
